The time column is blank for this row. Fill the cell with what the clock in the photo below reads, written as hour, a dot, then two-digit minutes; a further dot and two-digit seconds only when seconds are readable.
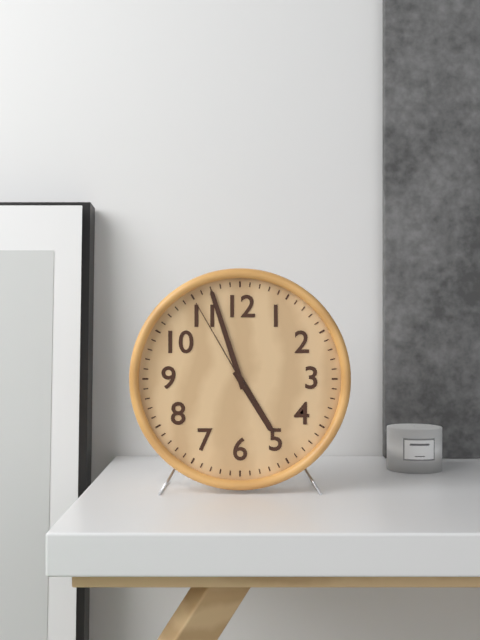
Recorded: 4.57.55
